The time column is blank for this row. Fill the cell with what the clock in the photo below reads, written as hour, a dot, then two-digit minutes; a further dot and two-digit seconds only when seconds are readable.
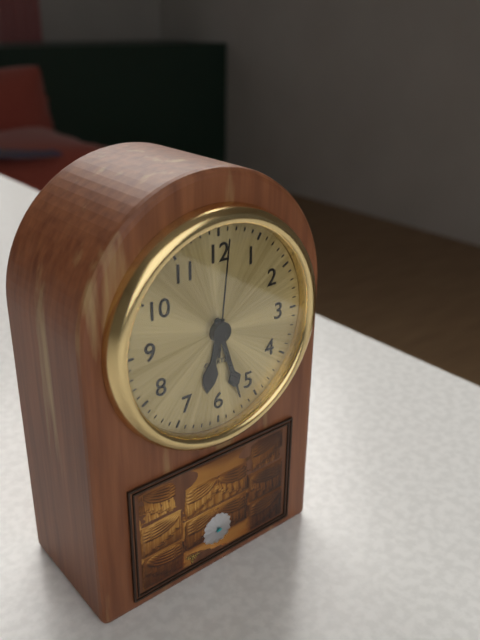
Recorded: 6.27.01
